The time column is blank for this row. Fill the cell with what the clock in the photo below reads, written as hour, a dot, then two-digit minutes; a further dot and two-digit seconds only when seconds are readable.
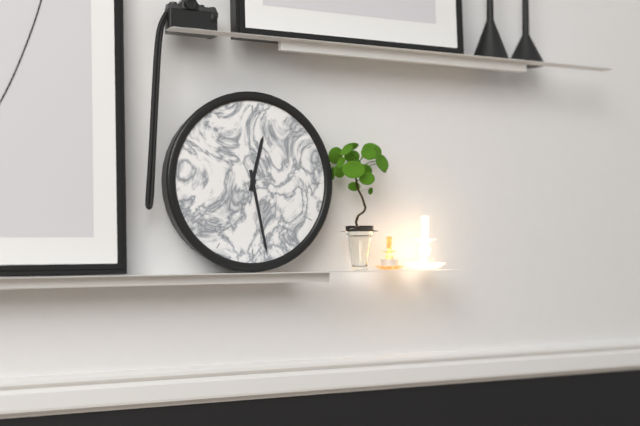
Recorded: 12.28
